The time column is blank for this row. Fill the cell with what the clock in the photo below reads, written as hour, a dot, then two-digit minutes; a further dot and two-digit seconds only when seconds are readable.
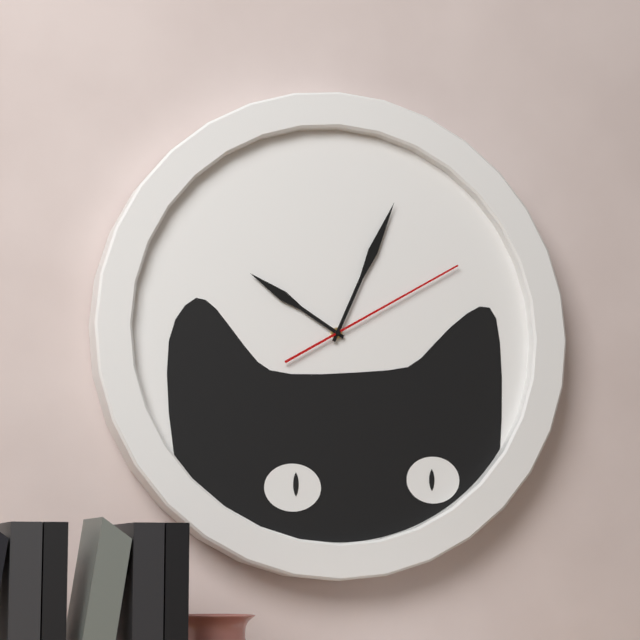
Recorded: 10.04.10
